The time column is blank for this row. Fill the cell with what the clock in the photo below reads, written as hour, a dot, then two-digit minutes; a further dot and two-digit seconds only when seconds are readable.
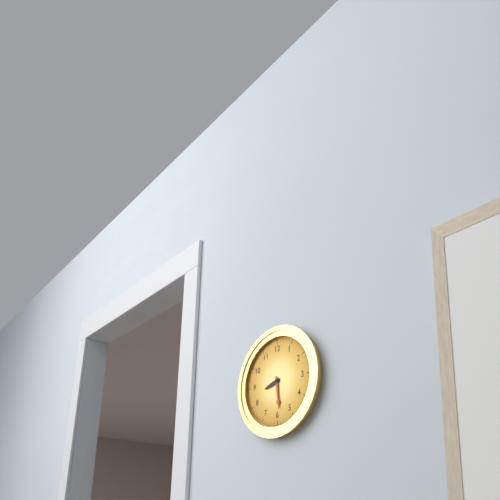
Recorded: 8.29
